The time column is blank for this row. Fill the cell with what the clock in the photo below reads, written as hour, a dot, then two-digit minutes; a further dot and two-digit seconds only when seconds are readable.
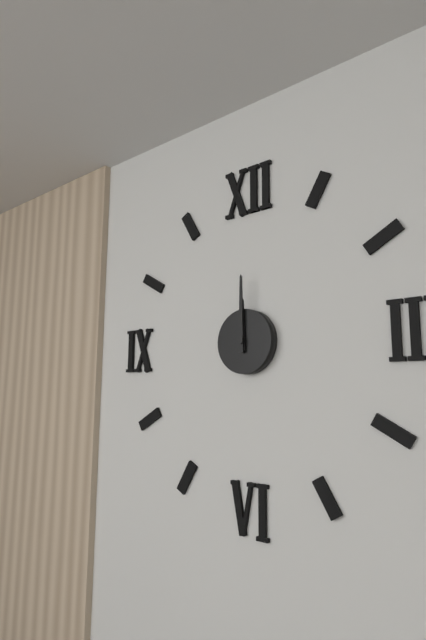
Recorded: 12.00
